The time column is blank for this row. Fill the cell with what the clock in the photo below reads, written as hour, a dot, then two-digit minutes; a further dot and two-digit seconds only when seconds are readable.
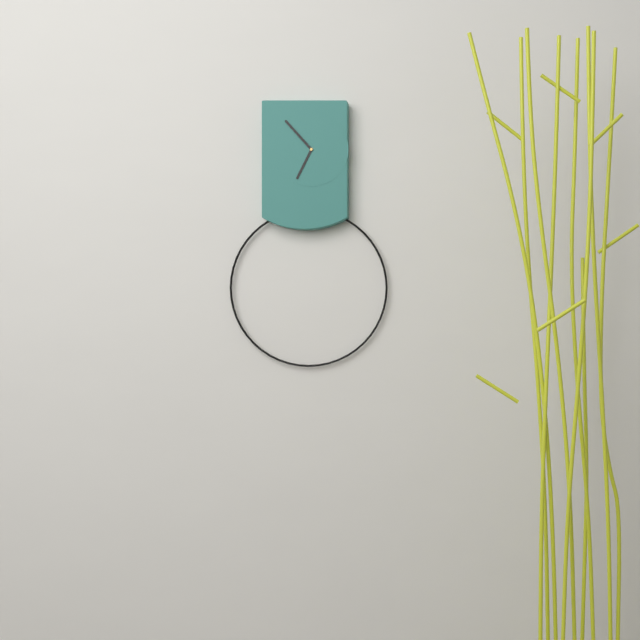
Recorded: 6.53
